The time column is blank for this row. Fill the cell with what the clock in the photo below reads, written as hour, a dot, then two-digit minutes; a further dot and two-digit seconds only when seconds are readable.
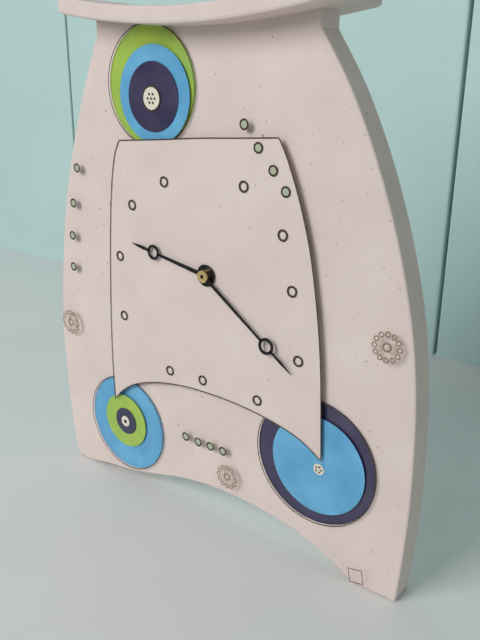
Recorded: 9.21
